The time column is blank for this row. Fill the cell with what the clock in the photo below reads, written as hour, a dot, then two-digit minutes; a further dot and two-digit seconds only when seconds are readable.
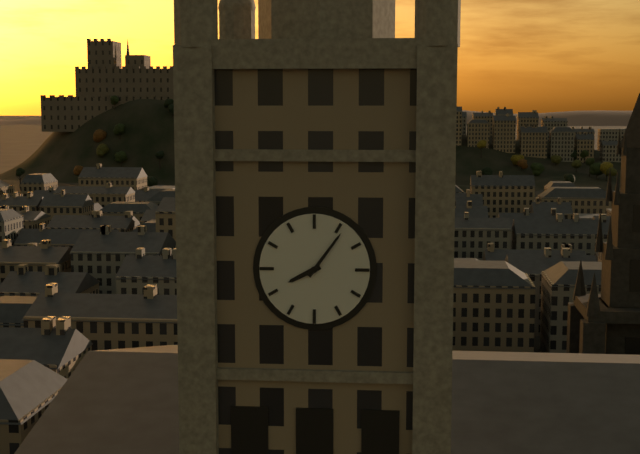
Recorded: 8.06
